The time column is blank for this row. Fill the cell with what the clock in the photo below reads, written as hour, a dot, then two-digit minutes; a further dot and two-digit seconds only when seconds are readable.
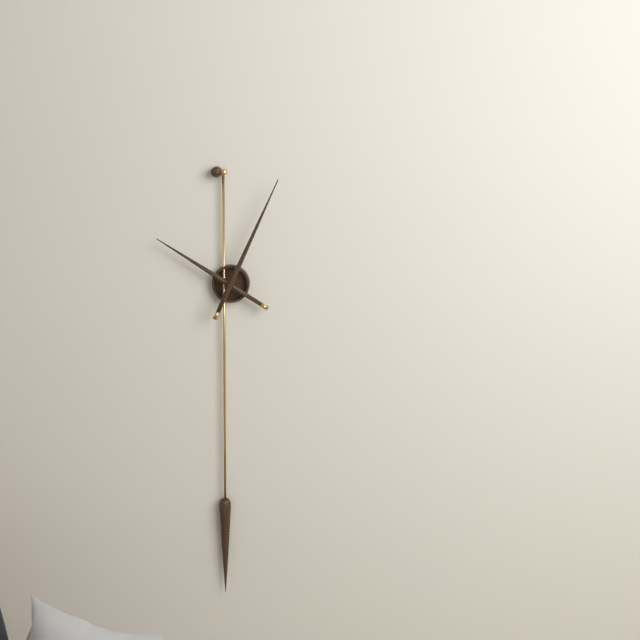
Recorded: 10.04
